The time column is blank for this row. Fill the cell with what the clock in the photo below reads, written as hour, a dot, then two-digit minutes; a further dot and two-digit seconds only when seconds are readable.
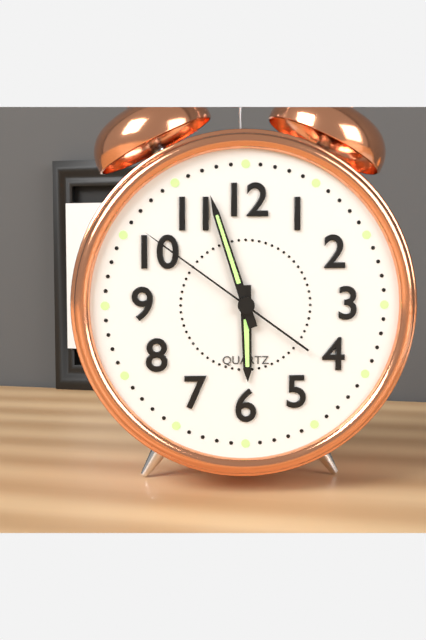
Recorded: 5.57.51
